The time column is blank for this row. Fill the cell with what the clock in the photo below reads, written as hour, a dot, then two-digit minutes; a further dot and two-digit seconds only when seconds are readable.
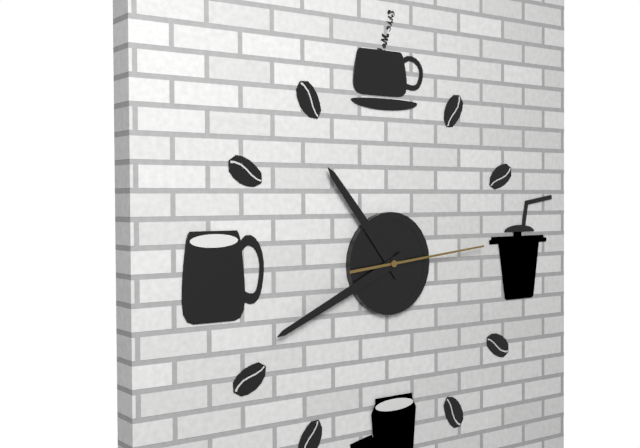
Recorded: 10.41.14
